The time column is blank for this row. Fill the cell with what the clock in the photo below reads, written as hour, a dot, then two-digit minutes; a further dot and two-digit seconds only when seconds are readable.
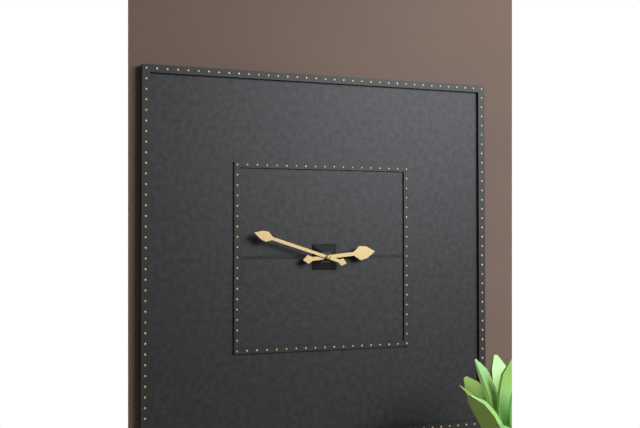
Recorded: 2.48
